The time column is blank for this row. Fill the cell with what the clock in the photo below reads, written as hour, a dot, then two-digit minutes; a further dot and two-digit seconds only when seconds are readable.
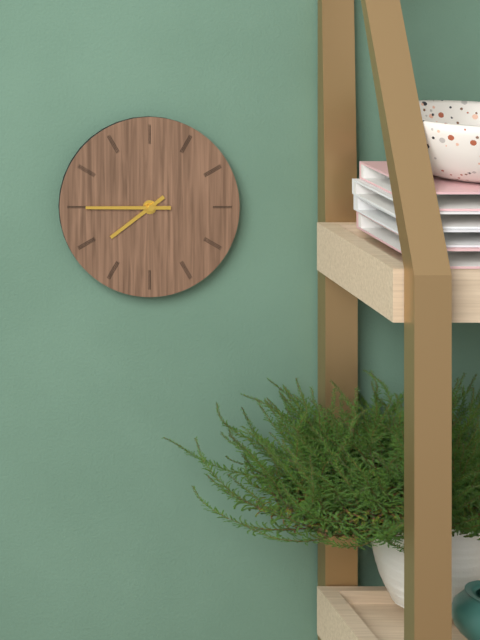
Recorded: 7.45
